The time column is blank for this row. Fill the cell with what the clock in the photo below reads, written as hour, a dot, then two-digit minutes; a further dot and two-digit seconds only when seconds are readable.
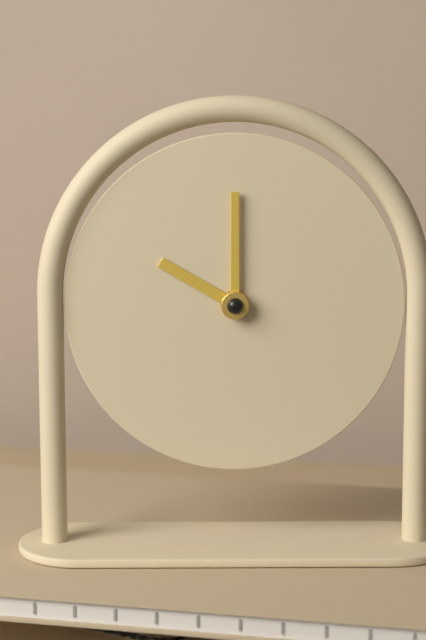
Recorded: 10.00
